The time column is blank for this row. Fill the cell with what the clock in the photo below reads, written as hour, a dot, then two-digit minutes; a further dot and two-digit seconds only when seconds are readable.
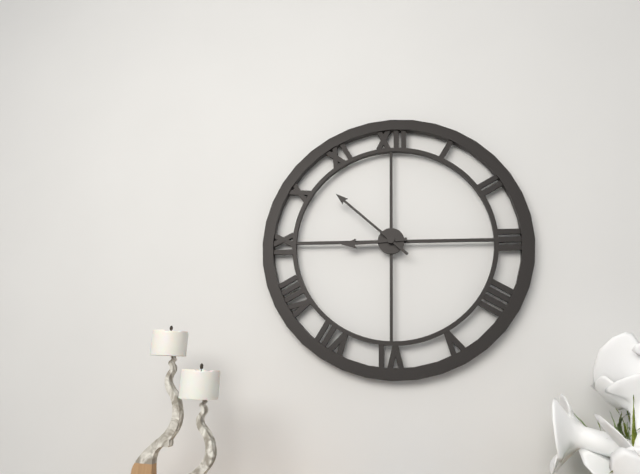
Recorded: 8.52
